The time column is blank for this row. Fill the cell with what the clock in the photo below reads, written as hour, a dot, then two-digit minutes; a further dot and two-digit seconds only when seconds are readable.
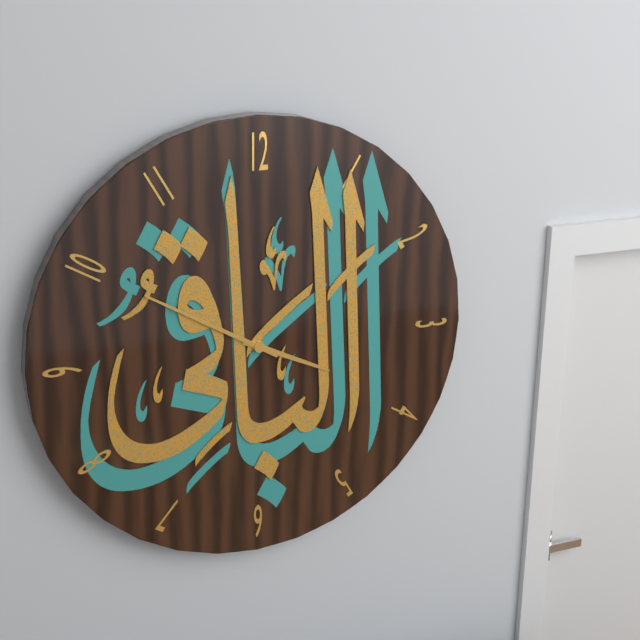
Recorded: 3.50
